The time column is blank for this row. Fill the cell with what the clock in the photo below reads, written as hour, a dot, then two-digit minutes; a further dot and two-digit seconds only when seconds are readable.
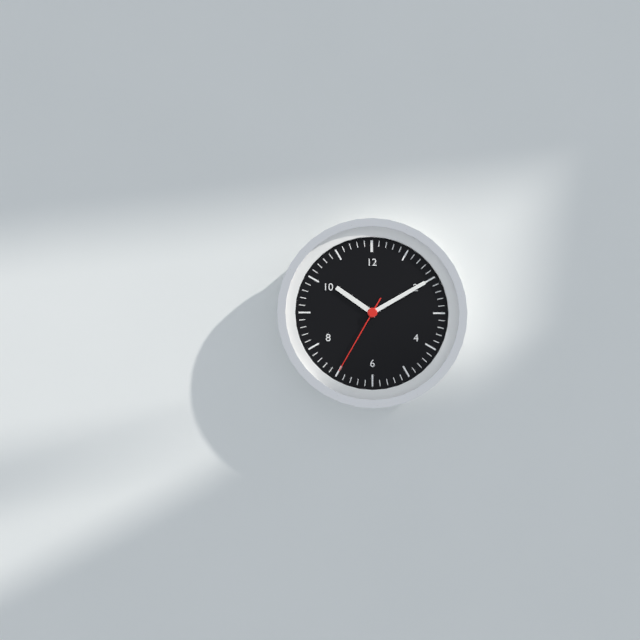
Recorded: 10.10.35
